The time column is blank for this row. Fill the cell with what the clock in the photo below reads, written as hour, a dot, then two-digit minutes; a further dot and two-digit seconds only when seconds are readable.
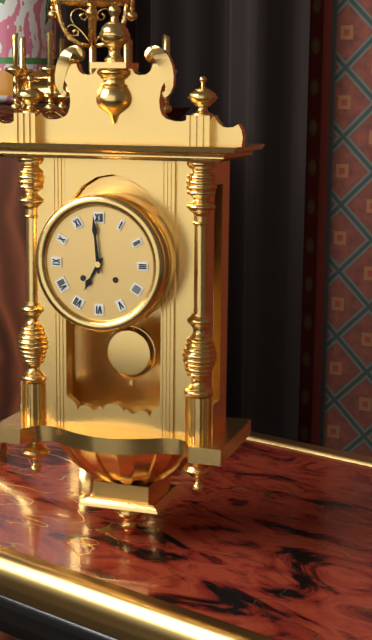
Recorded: 6.59
